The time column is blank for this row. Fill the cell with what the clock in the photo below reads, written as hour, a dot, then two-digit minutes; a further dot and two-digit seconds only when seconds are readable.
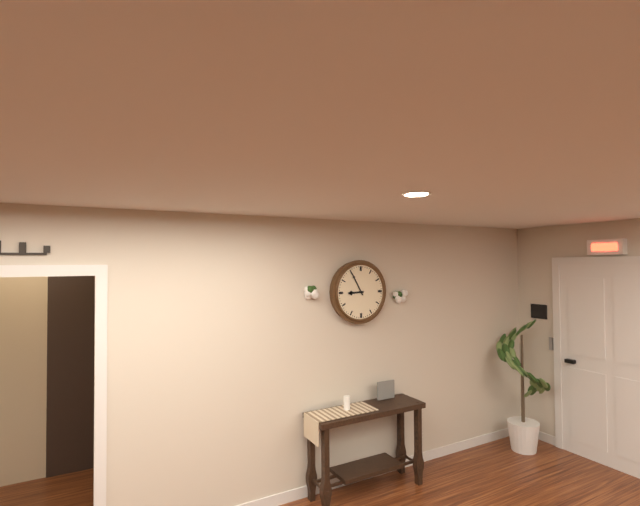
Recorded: 8.55
